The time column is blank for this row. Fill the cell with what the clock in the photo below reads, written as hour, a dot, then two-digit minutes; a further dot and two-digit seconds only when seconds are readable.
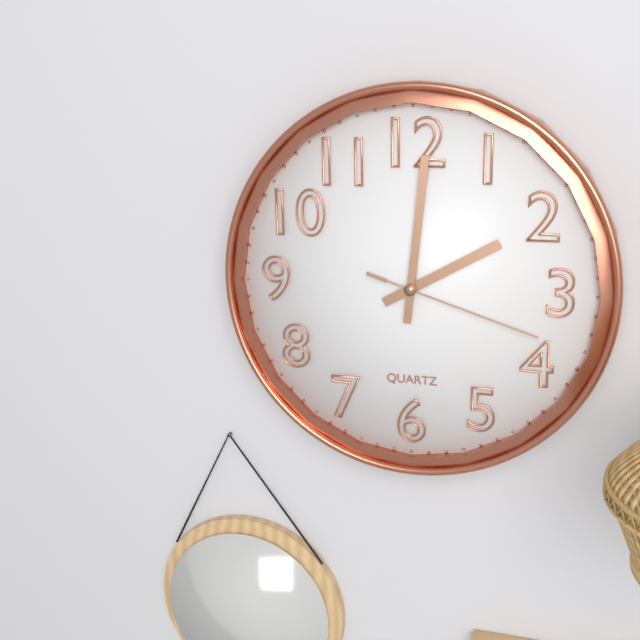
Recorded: 2.01.18
